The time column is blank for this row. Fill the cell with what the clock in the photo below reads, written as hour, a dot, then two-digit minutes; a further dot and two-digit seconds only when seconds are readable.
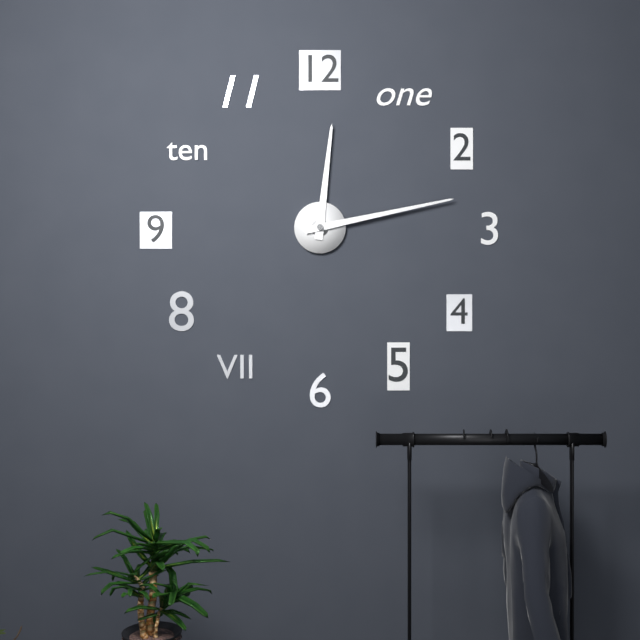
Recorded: 12.13
